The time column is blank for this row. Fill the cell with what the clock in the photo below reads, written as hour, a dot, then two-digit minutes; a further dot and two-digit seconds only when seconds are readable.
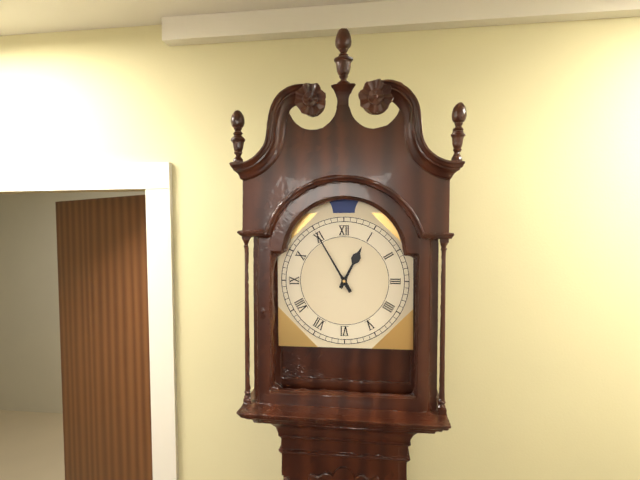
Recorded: 12.55
